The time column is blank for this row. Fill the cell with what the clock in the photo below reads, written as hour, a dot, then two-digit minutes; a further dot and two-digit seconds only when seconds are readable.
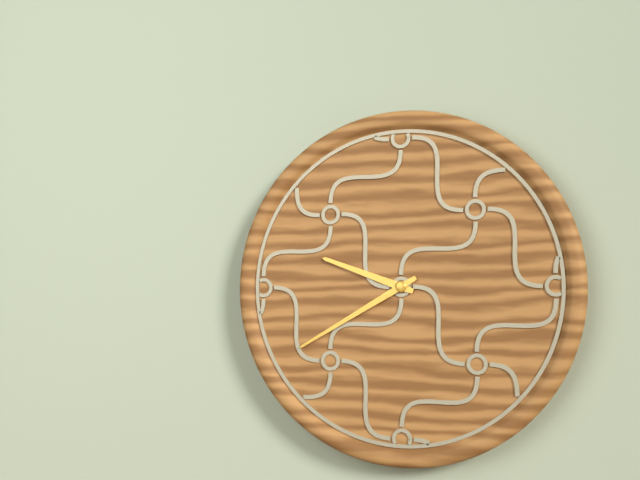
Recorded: 9.40
